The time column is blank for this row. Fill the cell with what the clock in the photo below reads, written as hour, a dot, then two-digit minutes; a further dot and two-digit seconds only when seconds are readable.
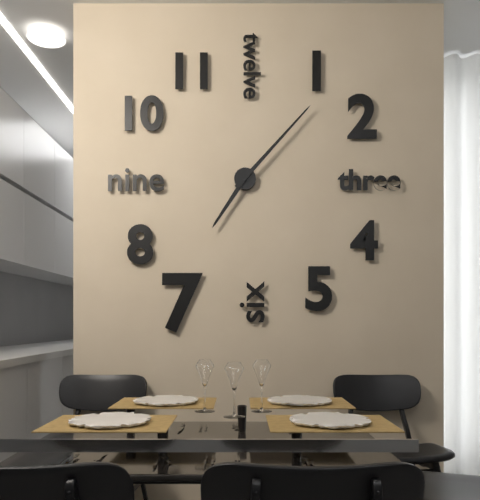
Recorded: 7.07
